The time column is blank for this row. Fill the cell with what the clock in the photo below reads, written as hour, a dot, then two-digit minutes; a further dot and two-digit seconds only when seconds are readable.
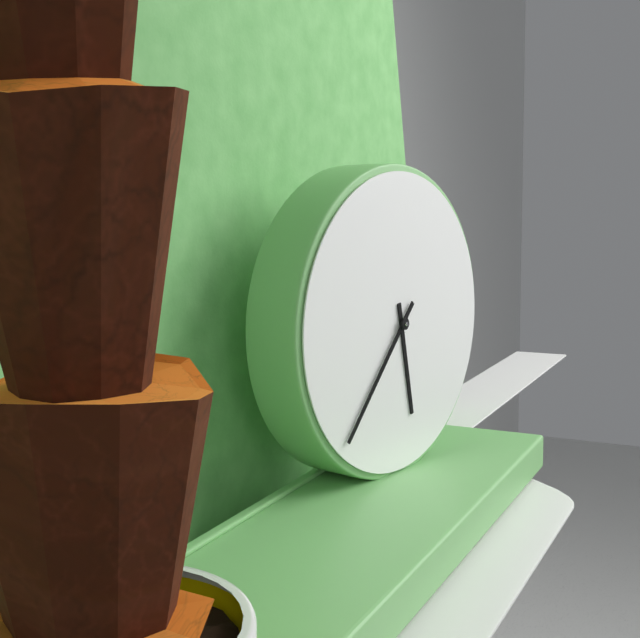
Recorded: 5.37
